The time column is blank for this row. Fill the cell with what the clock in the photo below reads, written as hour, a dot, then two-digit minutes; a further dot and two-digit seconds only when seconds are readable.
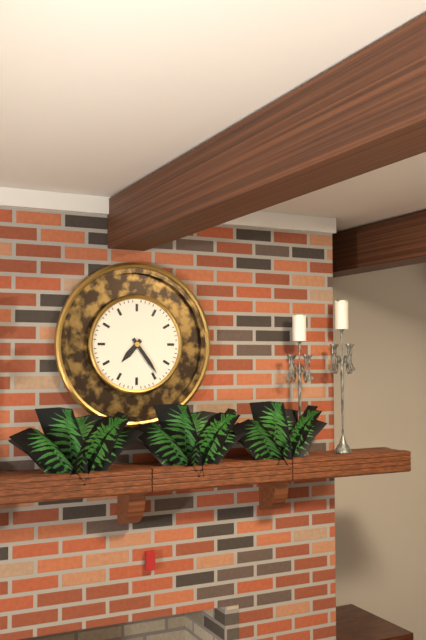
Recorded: 7.24
